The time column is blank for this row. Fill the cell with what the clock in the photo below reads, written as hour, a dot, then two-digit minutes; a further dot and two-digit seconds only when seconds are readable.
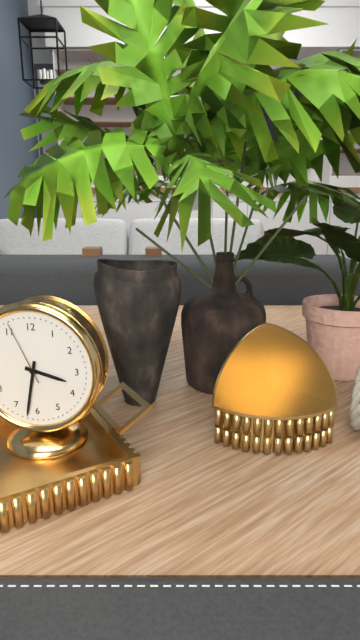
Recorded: 3.32.56
